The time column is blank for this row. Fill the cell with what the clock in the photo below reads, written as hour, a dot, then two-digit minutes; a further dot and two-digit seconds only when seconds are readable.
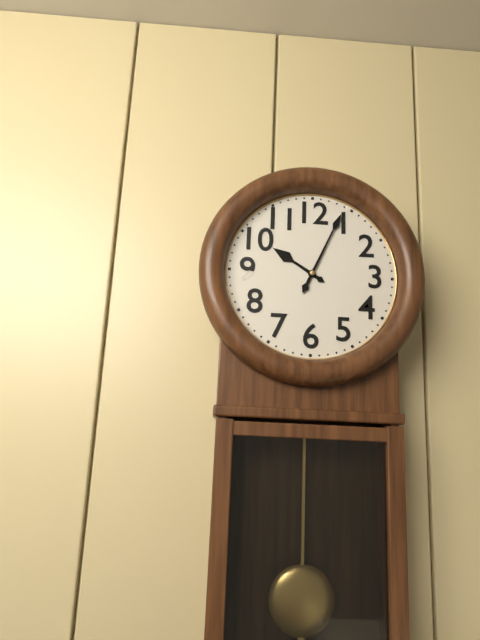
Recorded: 10.04
